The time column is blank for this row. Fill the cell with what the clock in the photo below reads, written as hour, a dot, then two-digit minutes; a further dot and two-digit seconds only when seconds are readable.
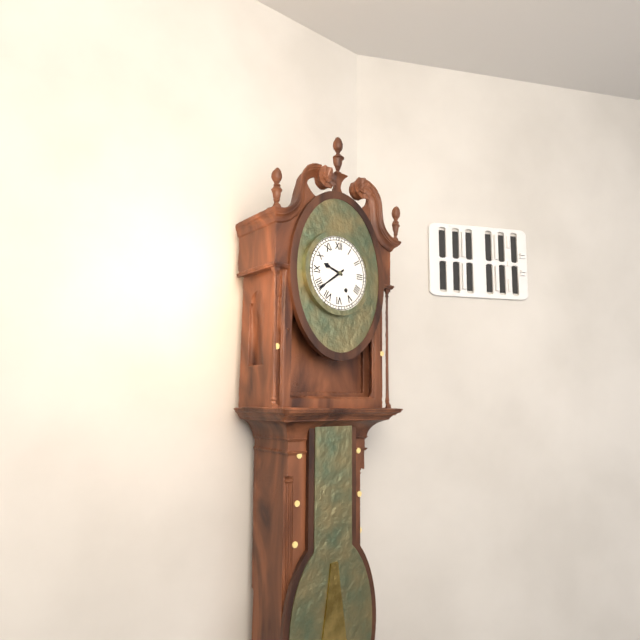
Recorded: 9.39
